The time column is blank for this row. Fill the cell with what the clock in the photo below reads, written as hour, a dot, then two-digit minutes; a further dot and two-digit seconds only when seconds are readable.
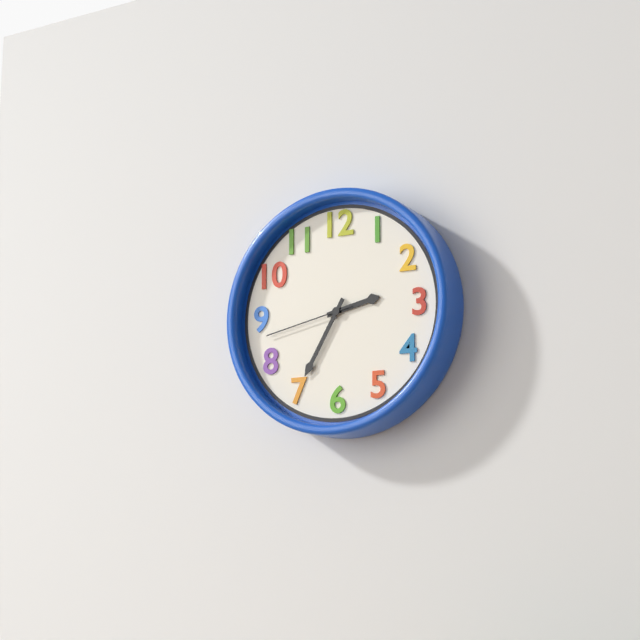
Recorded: 2.35.43
